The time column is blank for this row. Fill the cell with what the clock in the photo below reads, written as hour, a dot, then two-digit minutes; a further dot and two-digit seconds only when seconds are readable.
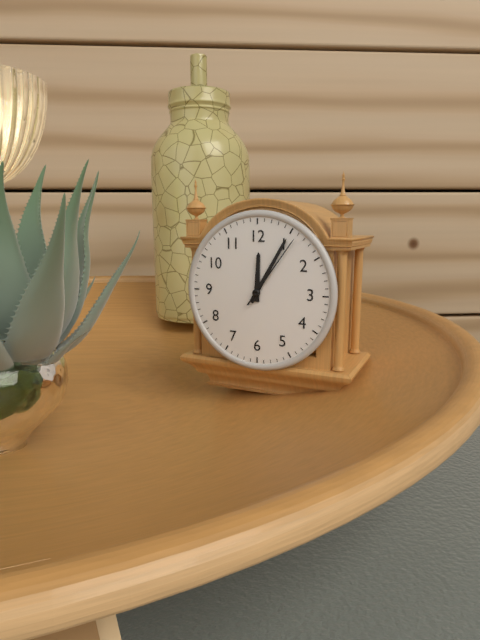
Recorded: 12.05.06
